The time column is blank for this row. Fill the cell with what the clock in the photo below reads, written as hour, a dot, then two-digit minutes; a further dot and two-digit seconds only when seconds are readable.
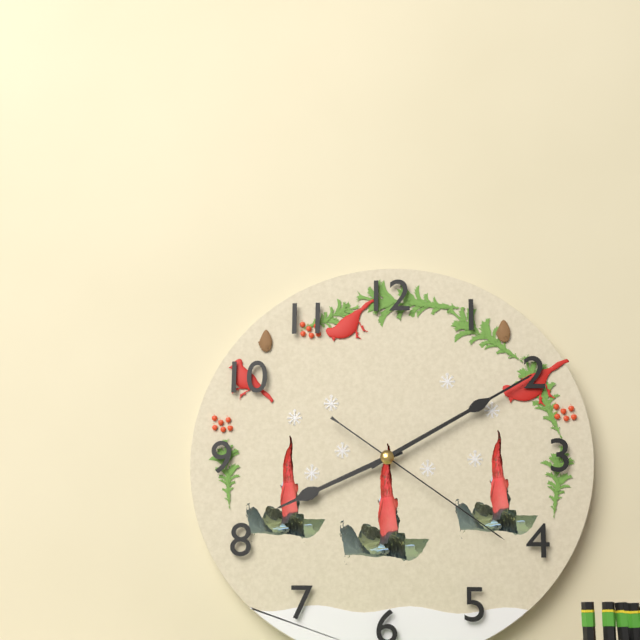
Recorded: 8.10.21
